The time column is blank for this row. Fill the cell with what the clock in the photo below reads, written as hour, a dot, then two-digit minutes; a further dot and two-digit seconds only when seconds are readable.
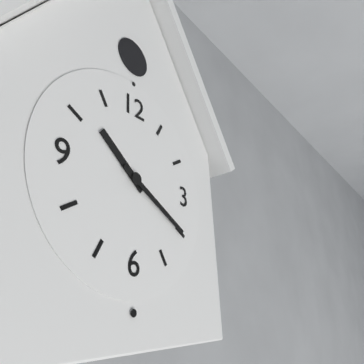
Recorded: 10.20
